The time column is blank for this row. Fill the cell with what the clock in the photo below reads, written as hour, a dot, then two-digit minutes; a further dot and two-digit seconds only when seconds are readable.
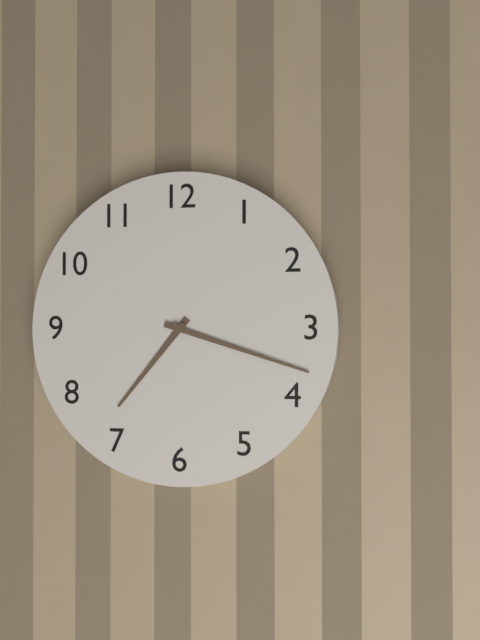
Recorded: 7.18
